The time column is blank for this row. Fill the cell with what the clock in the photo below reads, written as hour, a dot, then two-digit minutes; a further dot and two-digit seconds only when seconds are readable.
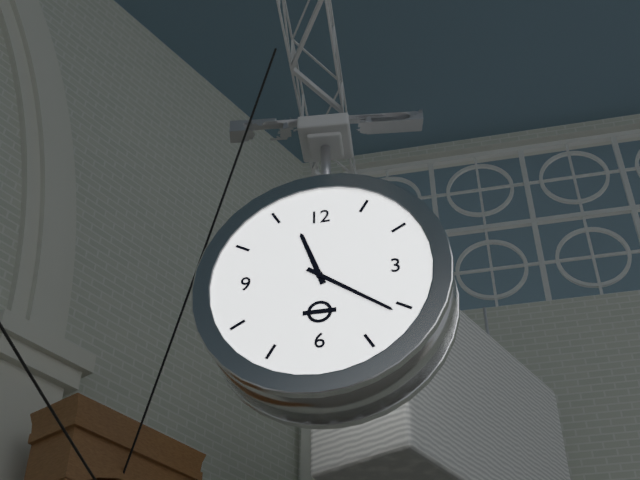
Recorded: 11.21
